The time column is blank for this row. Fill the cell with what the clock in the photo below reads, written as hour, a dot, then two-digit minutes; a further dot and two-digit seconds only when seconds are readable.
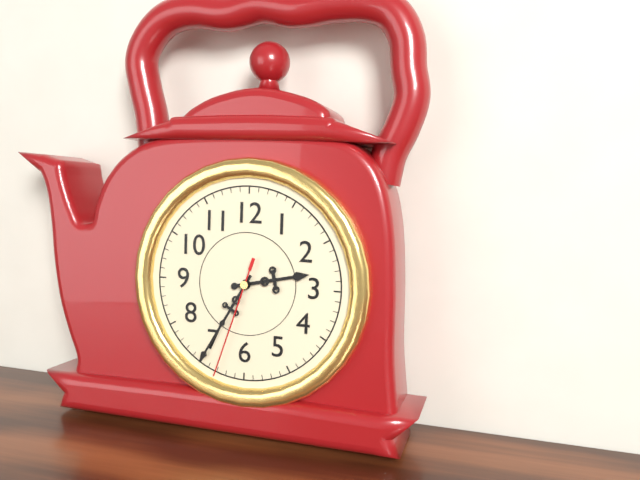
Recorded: 2.35.33
